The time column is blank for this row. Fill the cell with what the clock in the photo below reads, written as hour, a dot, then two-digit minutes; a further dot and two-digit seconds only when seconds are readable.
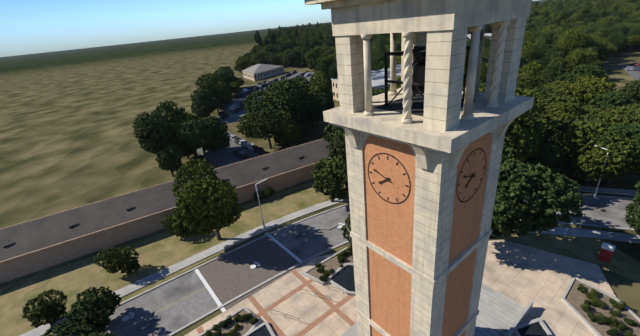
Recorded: 7.48
